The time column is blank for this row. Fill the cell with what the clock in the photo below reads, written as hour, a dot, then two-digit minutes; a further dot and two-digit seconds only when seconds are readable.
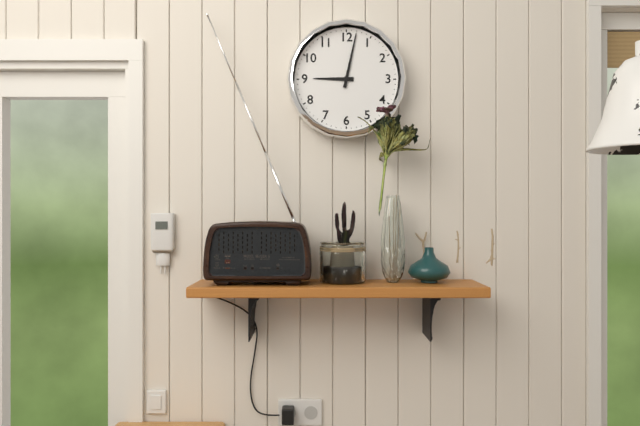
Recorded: 9.02
